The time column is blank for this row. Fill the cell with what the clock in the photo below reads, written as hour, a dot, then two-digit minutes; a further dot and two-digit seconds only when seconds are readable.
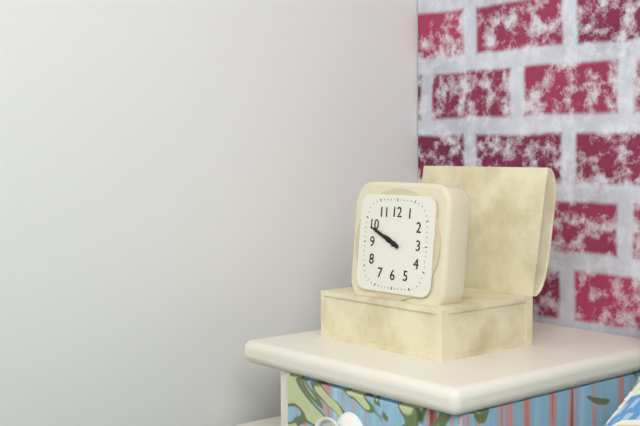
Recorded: 9.49
